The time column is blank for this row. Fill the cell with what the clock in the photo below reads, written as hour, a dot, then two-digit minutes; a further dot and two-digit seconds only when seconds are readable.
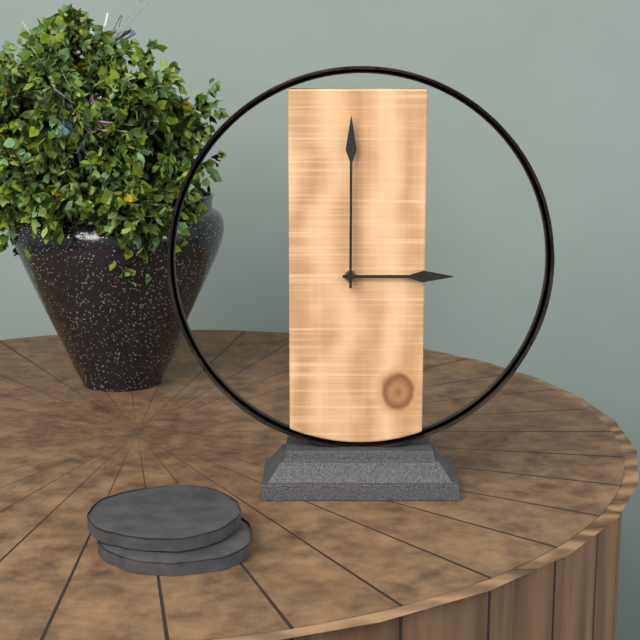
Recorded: 3.00
